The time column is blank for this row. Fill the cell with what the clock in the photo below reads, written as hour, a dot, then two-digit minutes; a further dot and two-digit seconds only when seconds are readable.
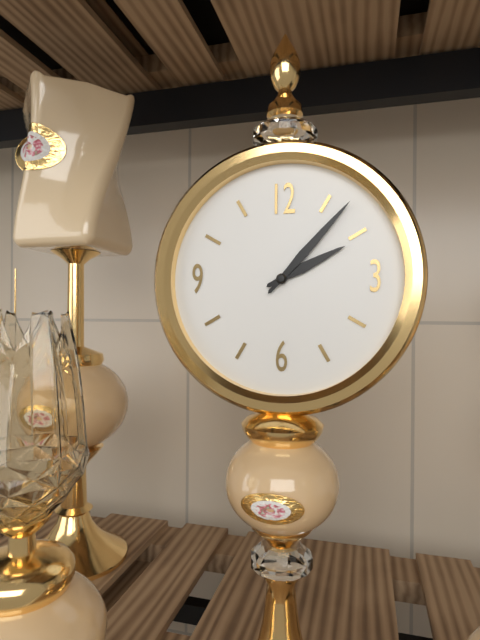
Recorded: 2.07
